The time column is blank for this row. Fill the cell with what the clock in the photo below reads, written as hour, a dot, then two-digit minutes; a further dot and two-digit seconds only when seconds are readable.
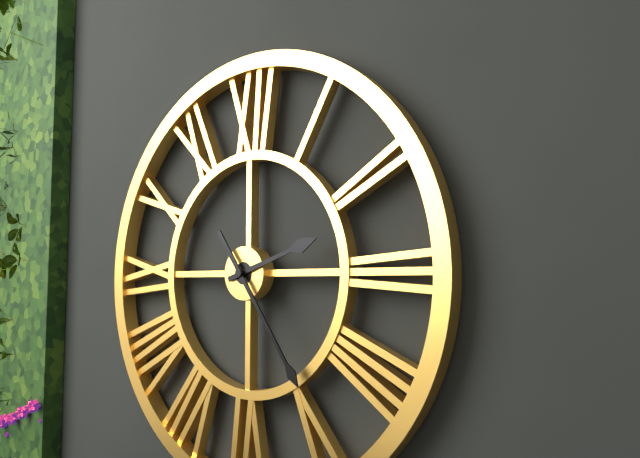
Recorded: 2.24
